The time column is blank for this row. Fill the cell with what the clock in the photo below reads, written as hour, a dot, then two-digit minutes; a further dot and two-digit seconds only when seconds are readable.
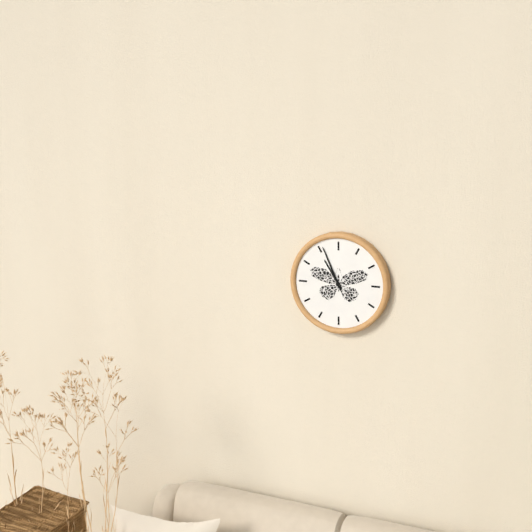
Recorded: 10.56
